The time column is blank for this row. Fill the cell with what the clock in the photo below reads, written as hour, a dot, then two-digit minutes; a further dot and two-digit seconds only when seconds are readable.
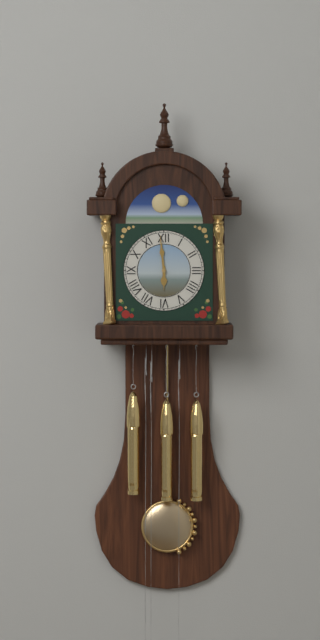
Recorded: 5.59
